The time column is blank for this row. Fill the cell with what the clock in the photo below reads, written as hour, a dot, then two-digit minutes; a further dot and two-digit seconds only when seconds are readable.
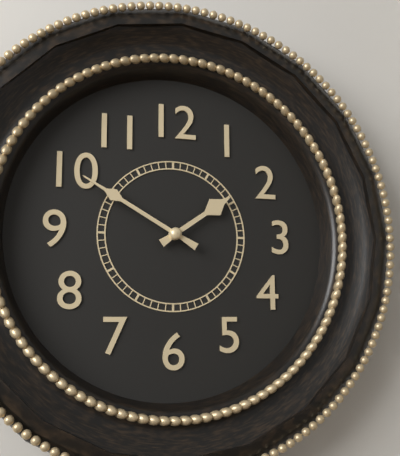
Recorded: 1.50
